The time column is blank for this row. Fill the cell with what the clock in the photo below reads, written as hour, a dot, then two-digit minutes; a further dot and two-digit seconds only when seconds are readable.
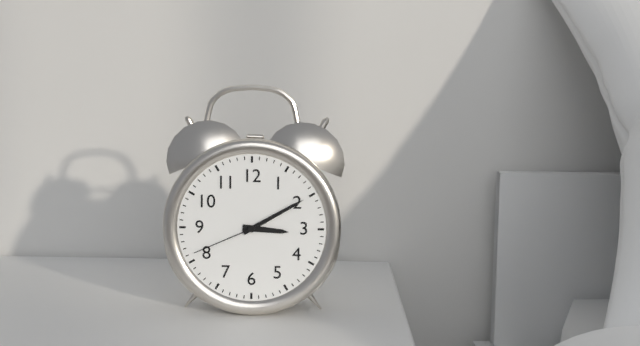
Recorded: 3.10.41
